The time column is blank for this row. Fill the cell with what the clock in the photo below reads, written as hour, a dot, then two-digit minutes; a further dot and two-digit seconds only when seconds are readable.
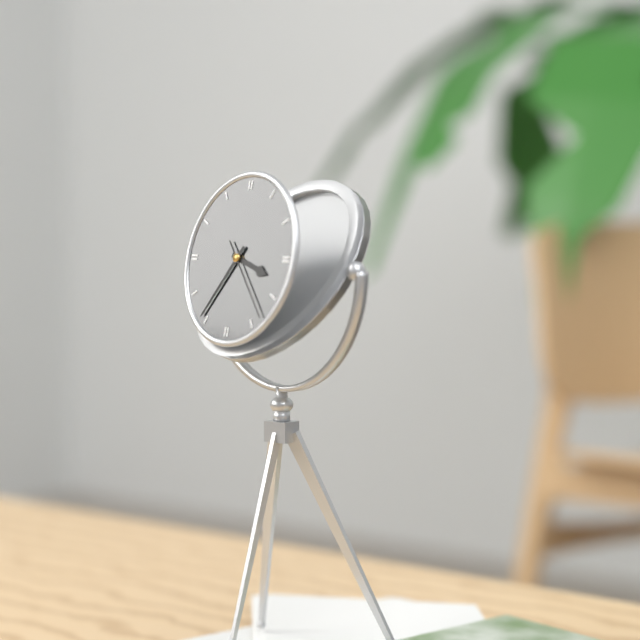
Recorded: 3.36.23
